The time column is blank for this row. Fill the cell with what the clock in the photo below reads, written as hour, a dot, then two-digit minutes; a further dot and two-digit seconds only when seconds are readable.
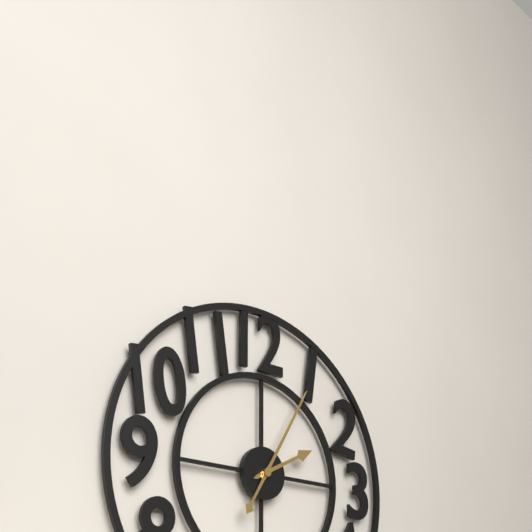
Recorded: 2.05
